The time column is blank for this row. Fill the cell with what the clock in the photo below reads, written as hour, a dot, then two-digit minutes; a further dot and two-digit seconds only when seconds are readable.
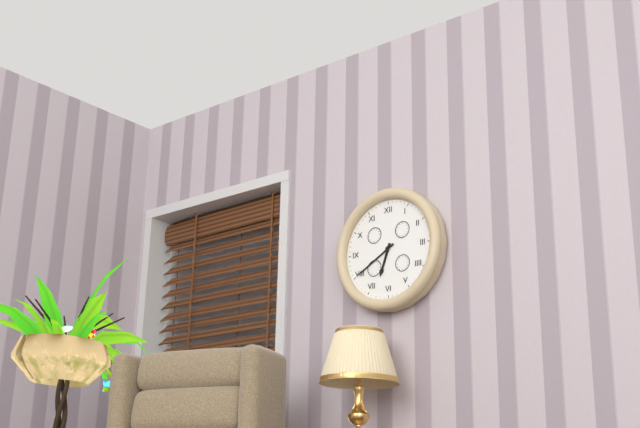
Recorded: 6.40
